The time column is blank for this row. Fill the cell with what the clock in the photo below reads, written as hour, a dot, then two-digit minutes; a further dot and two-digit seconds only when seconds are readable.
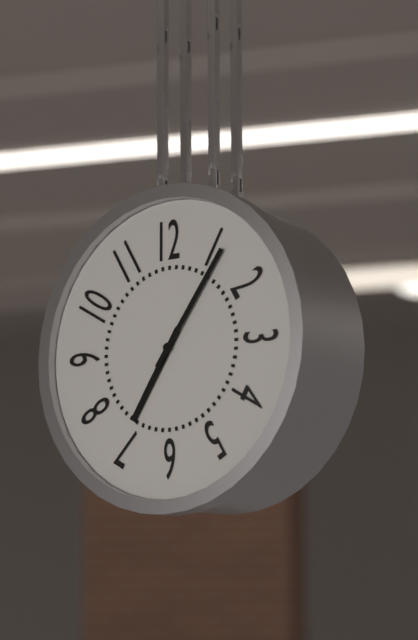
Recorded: 7.06
